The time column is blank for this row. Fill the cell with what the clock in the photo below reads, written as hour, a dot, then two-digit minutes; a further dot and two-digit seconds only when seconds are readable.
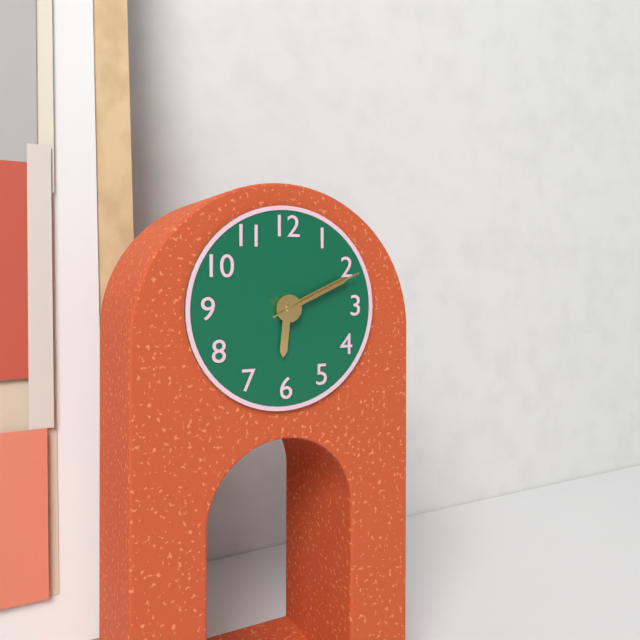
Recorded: 6.11.11
